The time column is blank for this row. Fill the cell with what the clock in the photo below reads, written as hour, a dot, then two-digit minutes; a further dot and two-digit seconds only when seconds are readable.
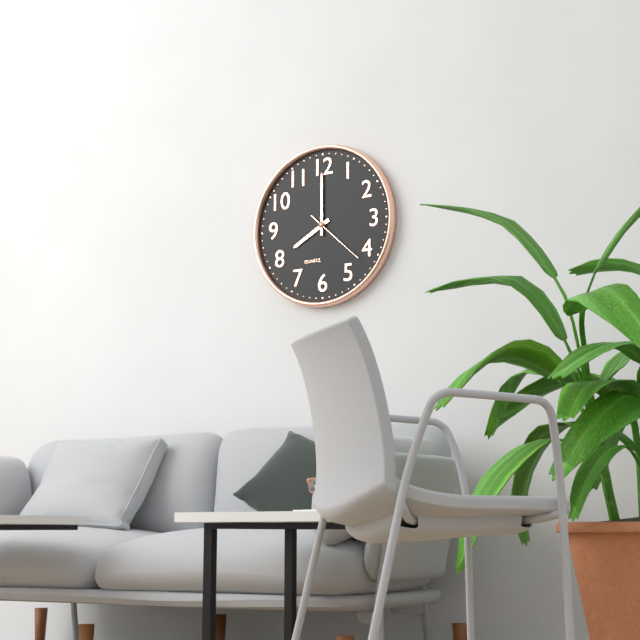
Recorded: 8.00.22
